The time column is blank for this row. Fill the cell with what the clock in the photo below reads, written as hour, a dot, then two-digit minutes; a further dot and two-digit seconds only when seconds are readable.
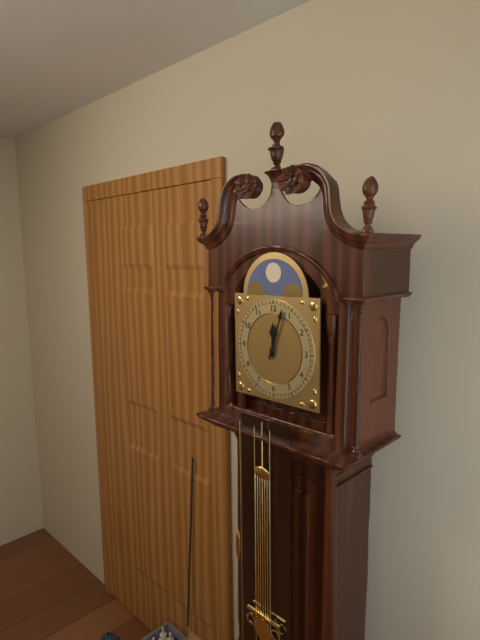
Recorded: 12.03
